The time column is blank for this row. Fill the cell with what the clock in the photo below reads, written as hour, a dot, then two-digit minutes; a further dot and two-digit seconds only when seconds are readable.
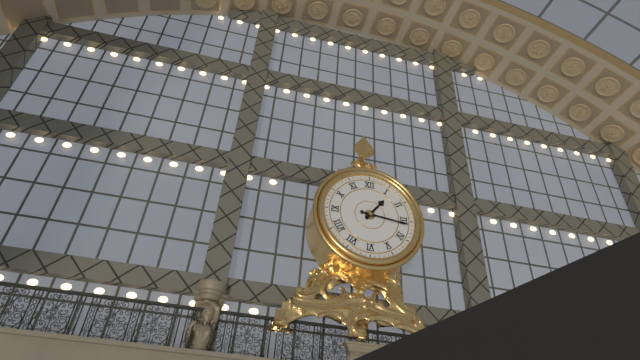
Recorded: 1.16
